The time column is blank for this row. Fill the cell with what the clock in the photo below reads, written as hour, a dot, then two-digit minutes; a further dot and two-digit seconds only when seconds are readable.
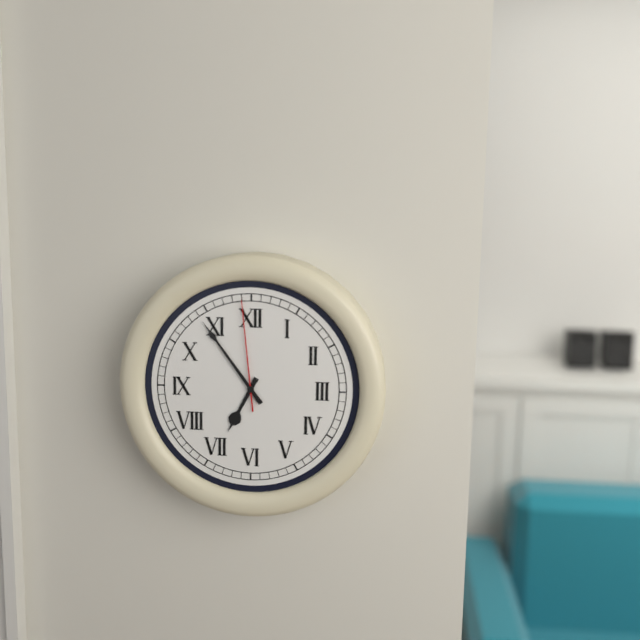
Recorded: 6.54.59
